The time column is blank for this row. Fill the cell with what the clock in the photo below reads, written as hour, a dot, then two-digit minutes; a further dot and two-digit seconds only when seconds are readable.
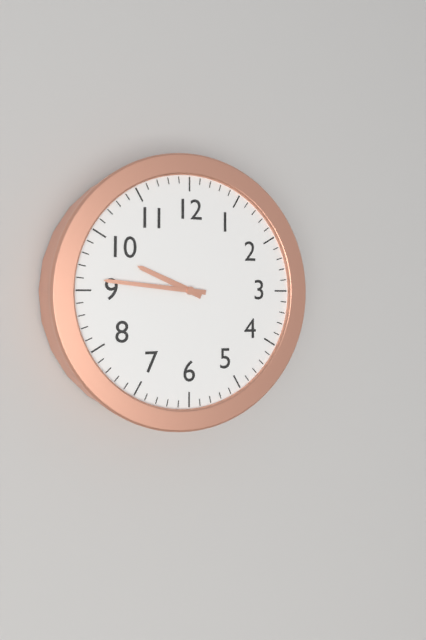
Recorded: 9.46
